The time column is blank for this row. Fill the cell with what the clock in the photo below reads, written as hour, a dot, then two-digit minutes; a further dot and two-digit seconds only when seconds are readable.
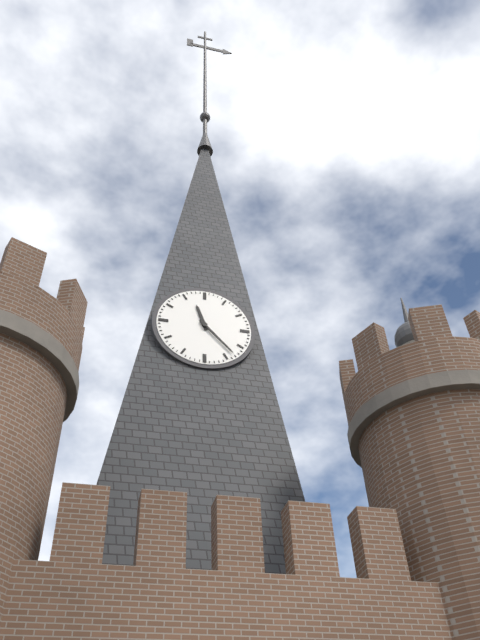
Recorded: 11.23
